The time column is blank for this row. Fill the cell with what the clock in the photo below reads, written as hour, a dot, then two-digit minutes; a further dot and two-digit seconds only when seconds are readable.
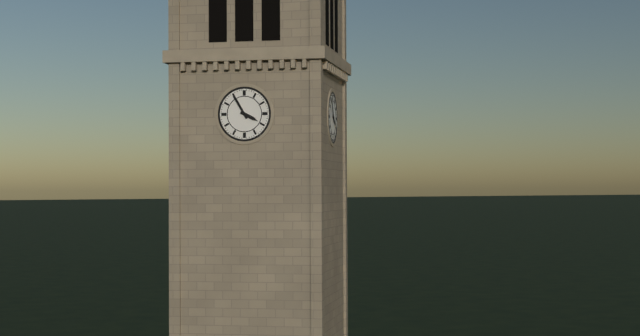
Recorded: 3.55
